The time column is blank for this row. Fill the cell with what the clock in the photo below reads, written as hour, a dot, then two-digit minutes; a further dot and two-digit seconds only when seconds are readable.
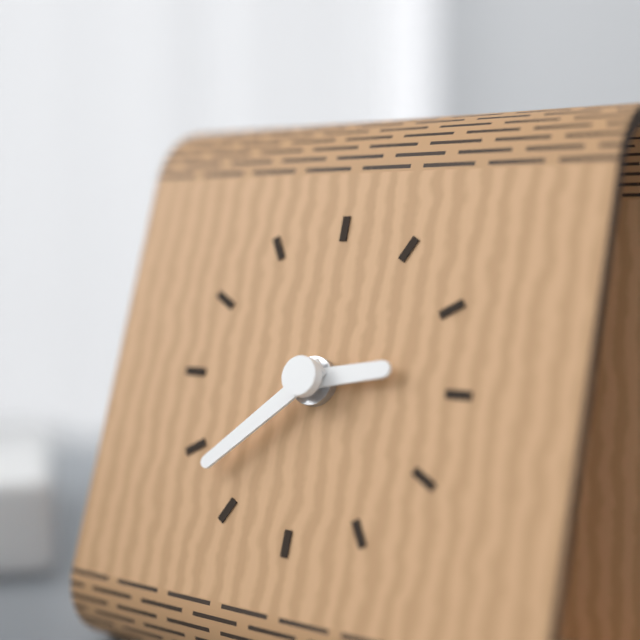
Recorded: 2.38
